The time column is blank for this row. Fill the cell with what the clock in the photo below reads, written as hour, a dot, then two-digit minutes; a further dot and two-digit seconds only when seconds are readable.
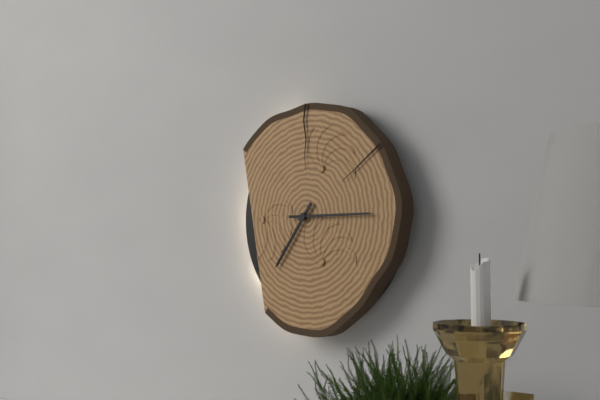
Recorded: 7.15
